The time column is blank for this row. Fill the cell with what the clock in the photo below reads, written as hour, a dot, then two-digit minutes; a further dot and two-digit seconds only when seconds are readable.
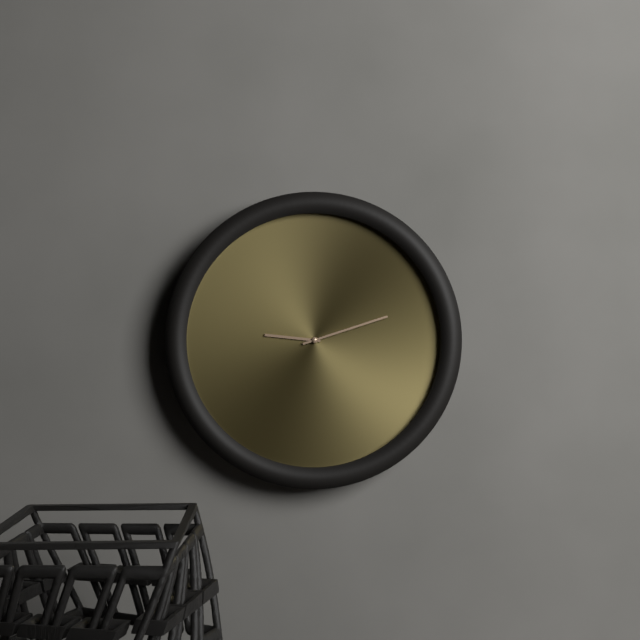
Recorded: 9.12
